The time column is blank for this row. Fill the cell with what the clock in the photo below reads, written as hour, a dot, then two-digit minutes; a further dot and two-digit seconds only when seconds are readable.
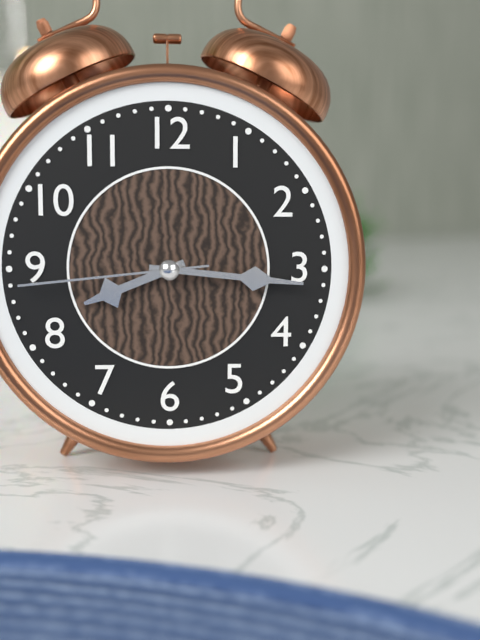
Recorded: 8.16.44
